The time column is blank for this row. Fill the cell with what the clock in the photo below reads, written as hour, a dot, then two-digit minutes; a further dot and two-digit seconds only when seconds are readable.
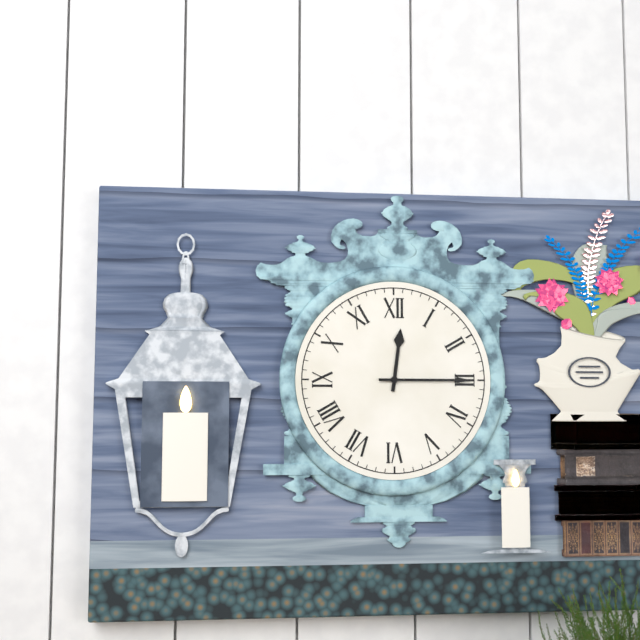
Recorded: 12.15
